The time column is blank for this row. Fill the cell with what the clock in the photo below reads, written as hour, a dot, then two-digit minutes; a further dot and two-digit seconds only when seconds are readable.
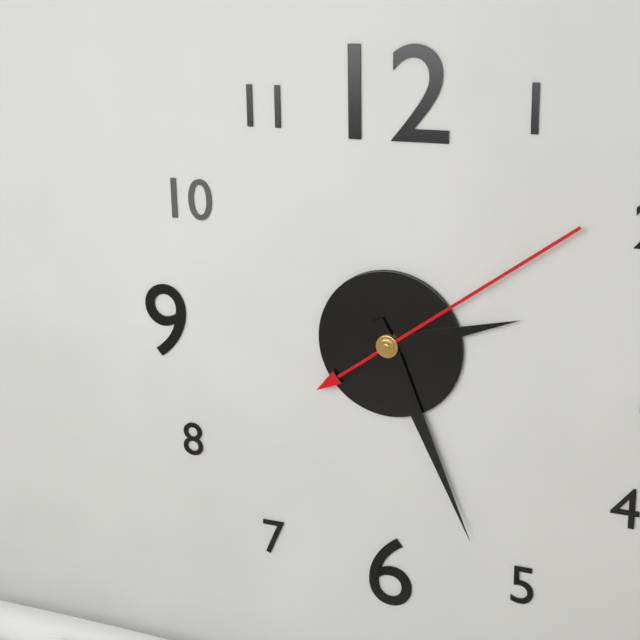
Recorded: 2.26.09
